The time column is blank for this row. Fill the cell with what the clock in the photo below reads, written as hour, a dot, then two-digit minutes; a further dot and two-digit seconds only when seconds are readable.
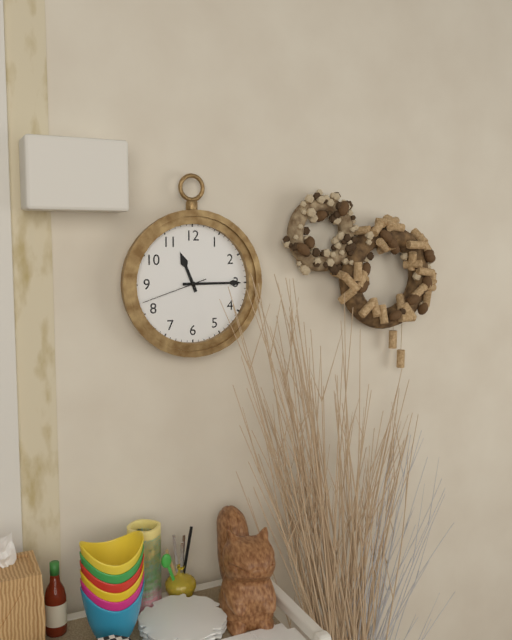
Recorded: 11.15.42
